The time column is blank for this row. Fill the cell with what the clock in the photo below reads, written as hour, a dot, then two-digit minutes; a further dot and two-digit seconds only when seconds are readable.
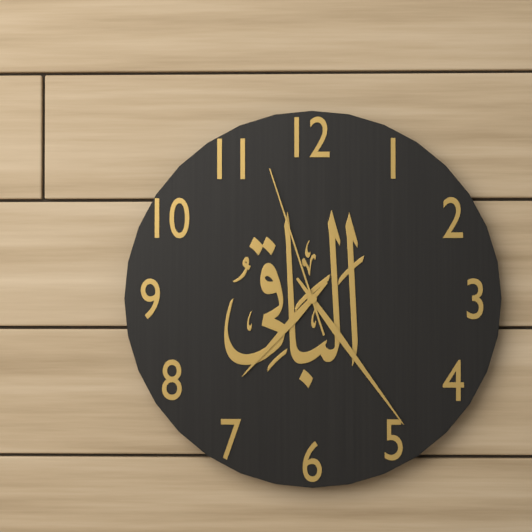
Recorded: 7.24.57
